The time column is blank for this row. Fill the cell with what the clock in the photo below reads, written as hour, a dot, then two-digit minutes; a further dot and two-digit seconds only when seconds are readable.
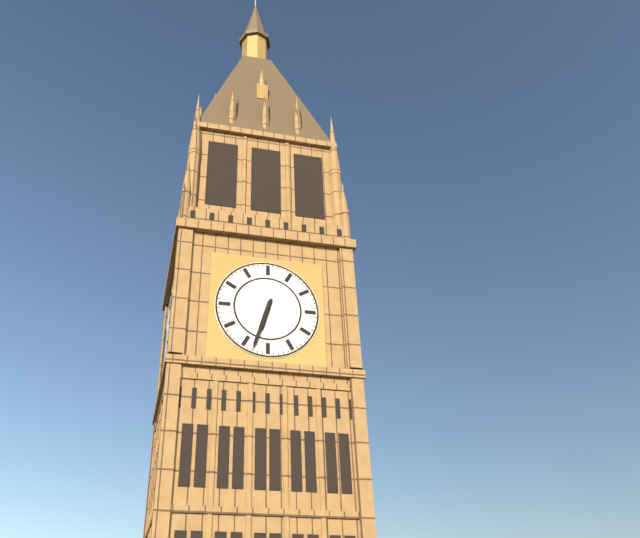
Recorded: 6.33
